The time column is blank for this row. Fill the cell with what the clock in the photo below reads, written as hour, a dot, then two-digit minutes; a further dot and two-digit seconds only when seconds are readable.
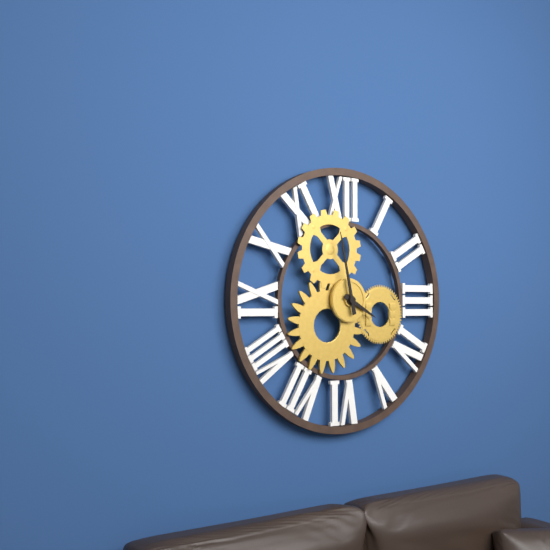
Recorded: 3.58
